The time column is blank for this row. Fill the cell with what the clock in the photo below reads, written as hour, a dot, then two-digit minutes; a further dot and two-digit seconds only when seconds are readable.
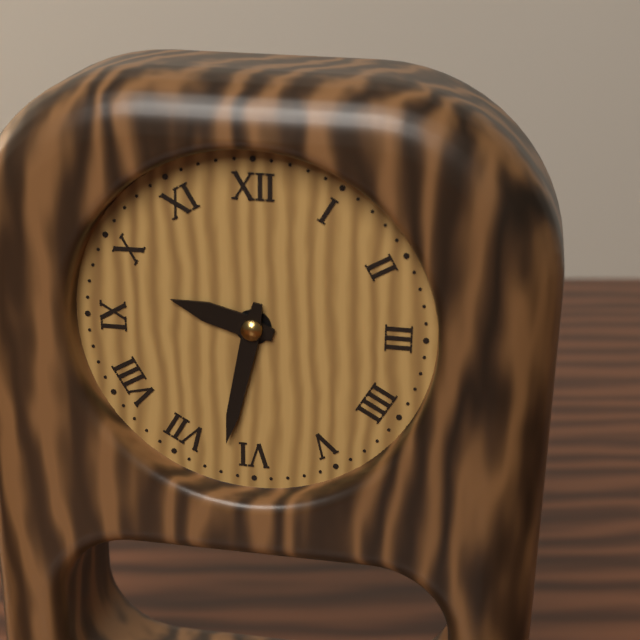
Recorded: 9.32
